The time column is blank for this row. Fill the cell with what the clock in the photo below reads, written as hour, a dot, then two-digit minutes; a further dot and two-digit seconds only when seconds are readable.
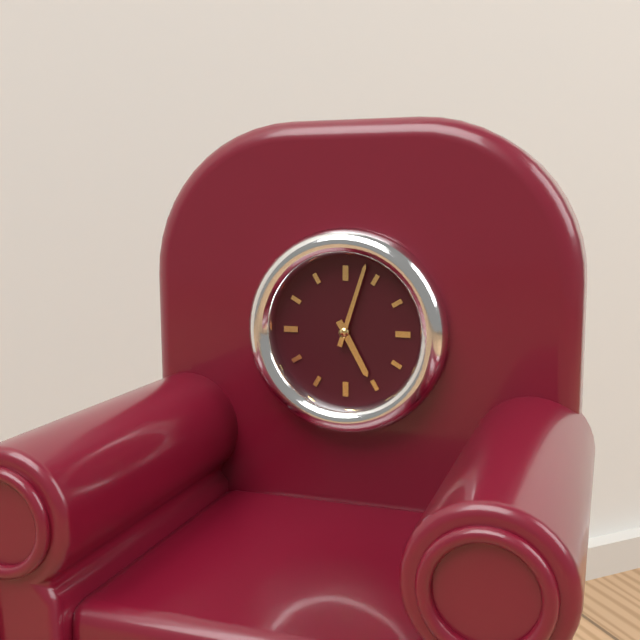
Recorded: 5.03
